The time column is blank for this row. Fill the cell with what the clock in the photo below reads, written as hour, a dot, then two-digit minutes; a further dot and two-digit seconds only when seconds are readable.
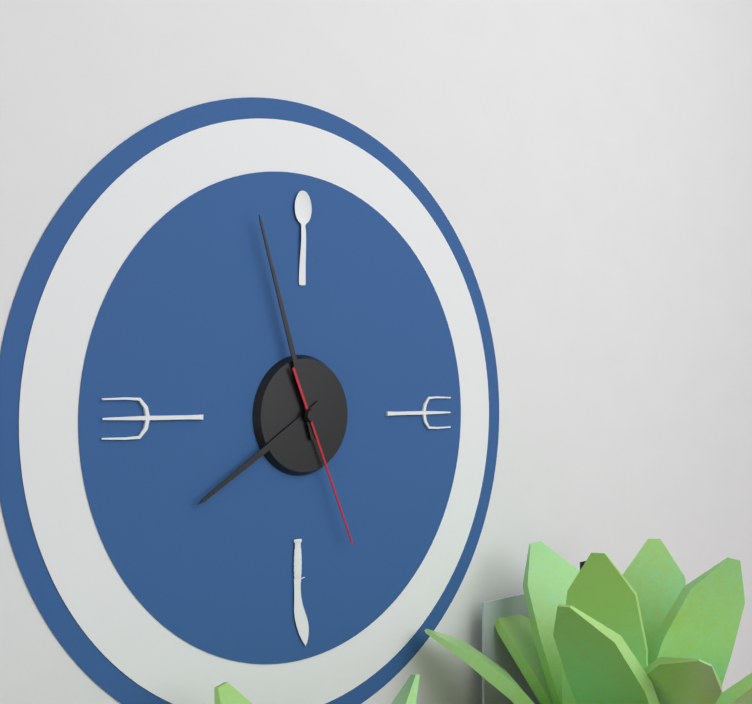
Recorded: 7.57.26
